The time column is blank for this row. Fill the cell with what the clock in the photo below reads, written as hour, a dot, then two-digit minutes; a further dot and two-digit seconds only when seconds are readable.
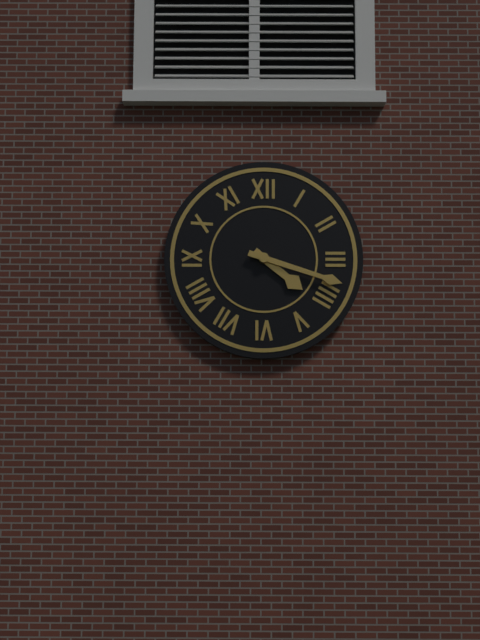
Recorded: 4.18
